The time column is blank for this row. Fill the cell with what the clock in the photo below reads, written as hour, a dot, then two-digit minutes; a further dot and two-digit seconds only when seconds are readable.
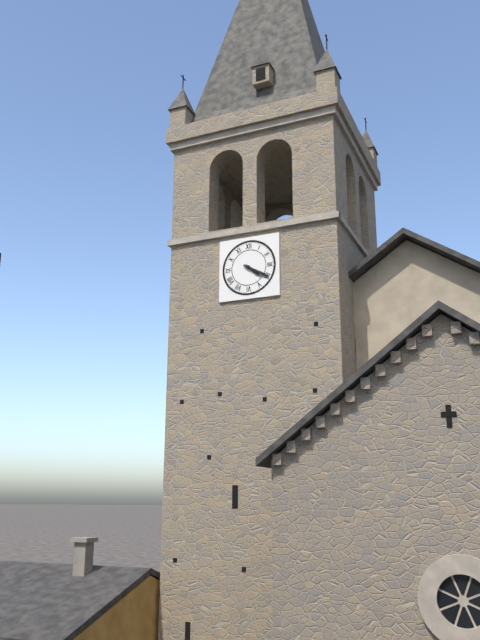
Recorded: 4.20
